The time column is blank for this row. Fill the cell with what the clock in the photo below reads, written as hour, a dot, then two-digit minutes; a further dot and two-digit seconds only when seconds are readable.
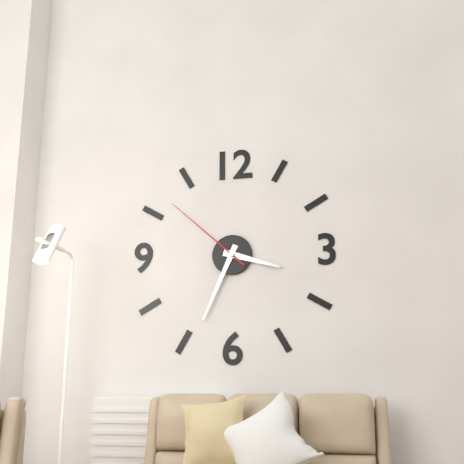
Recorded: 3.34.52
